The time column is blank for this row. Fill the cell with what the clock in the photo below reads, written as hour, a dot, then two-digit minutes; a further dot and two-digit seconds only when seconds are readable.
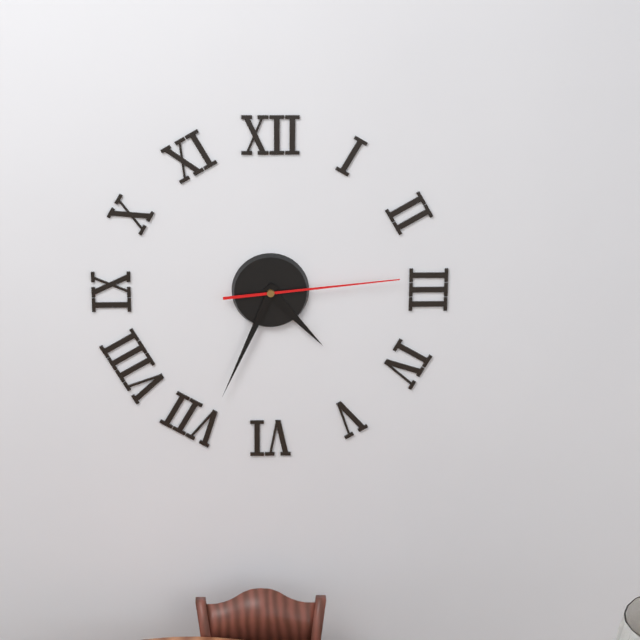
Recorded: 4.34.14
